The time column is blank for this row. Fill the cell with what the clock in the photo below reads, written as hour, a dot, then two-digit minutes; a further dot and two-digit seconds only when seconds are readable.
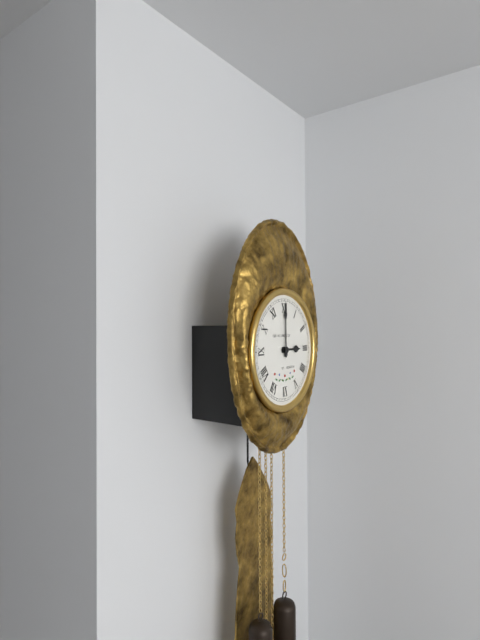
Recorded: 3.00
